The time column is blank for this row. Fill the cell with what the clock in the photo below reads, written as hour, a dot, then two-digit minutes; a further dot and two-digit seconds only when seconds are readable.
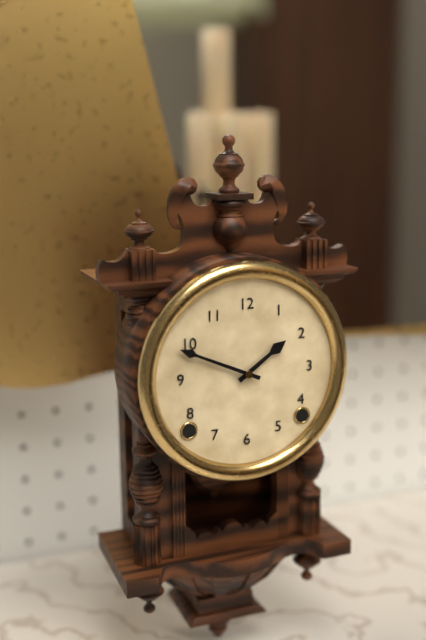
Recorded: 1.49
